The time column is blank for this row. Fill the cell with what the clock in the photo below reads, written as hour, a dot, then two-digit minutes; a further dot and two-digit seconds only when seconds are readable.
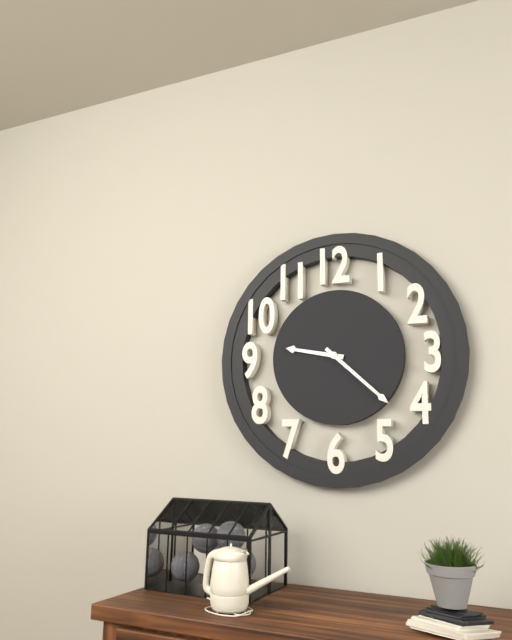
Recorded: 9.22
